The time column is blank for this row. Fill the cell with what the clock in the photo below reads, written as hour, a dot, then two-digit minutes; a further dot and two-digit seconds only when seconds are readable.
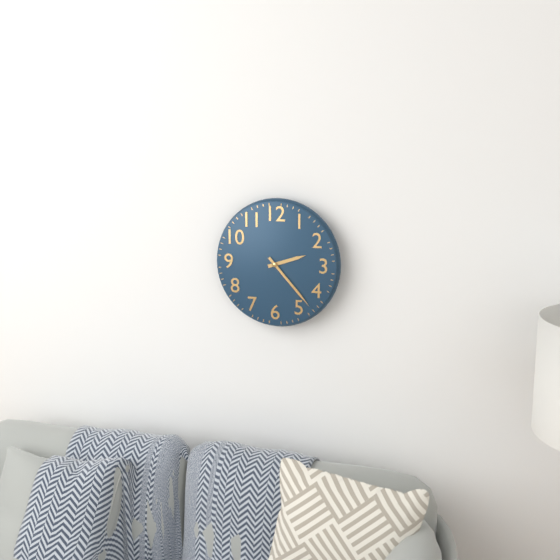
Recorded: 2.23
